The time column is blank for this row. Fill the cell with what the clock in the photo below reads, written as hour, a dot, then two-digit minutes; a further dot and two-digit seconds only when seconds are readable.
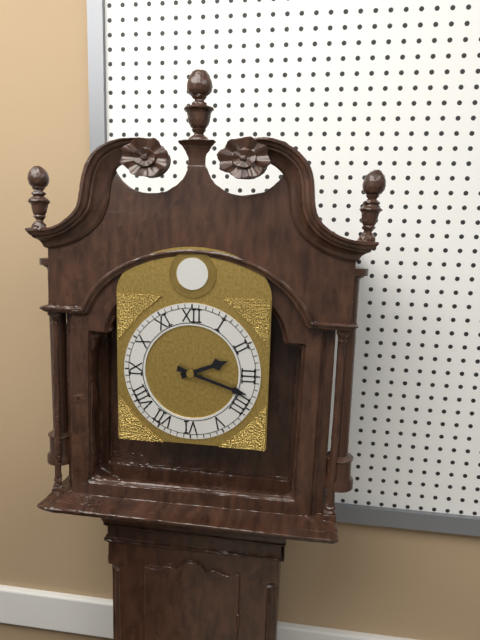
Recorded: 2.18
